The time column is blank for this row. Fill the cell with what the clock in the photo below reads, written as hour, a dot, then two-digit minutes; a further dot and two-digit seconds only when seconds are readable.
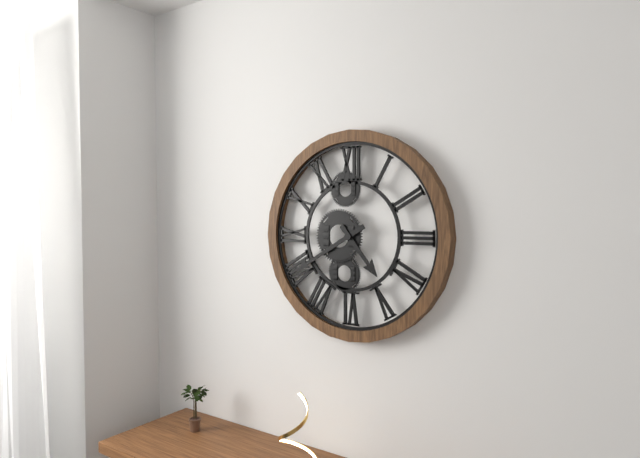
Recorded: 4.40
